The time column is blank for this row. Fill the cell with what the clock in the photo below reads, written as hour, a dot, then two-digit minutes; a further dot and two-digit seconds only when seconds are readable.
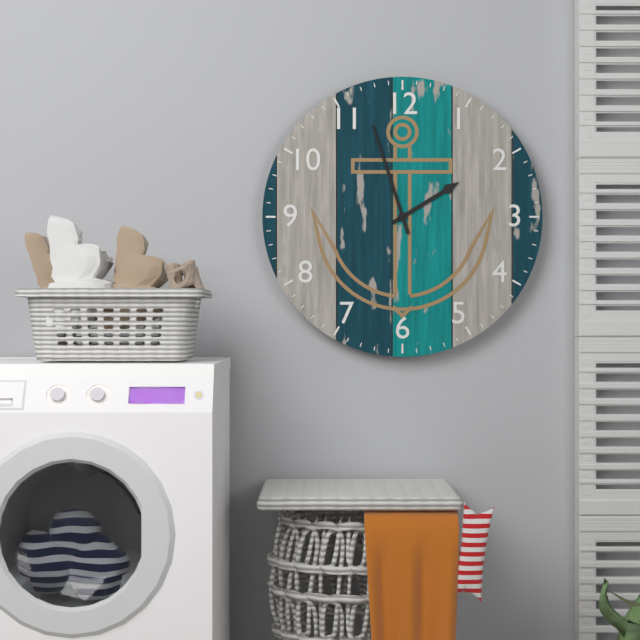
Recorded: 1.57
